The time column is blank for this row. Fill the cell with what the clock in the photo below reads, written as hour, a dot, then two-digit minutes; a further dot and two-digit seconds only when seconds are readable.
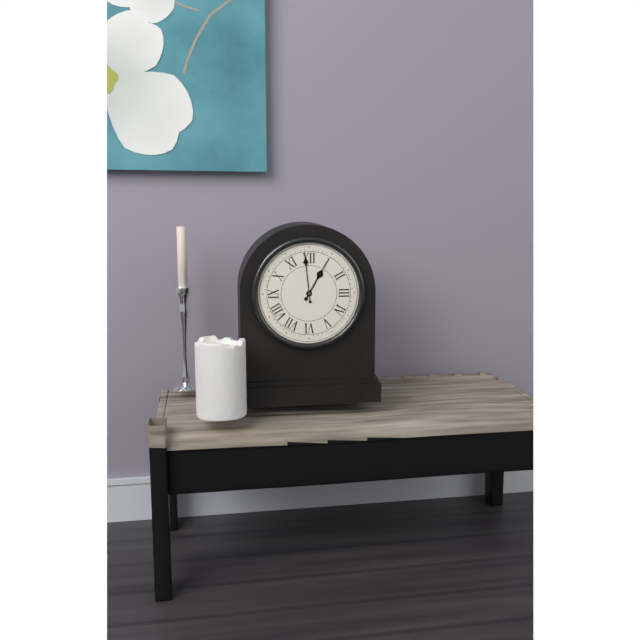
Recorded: 12.59
